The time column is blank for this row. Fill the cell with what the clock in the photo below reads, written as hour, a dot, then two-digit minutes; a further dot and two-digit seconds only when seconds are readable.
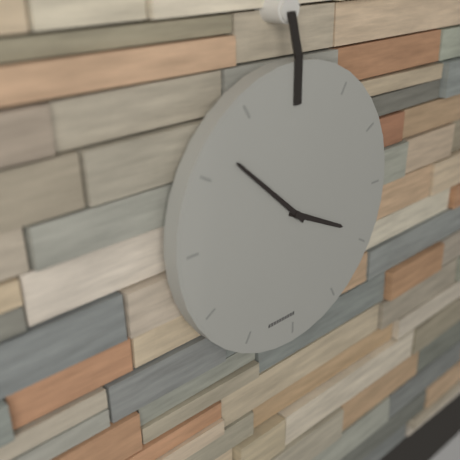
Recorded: 3.52
